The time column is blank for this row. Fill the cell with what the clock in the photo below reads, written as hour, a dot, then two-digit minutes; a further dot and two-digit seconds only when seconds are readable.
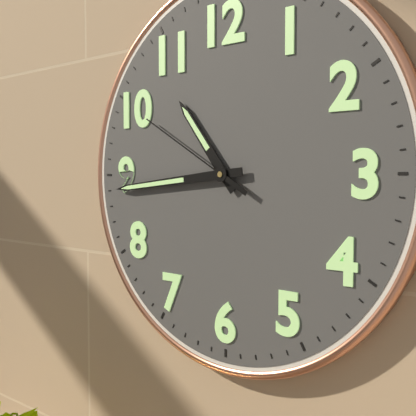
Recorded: 10.44.50
